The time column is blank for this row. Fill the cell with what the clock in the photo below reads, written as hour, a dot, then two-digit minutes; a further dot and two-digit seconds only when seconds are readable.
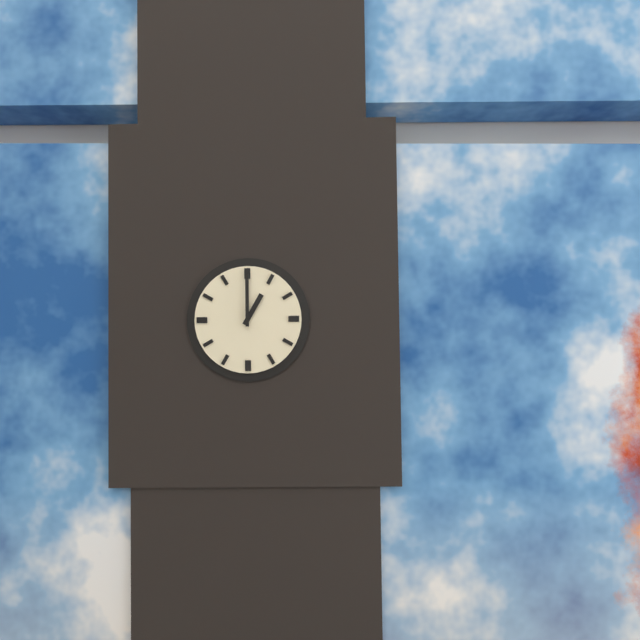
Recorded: 1.00
